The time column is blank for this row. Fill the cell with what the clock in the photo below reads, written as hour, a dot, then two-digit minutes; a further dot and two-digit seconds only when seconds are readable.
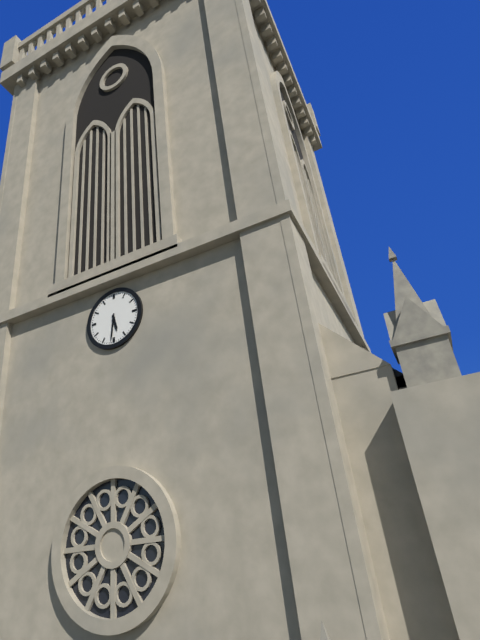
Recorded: 5.31
